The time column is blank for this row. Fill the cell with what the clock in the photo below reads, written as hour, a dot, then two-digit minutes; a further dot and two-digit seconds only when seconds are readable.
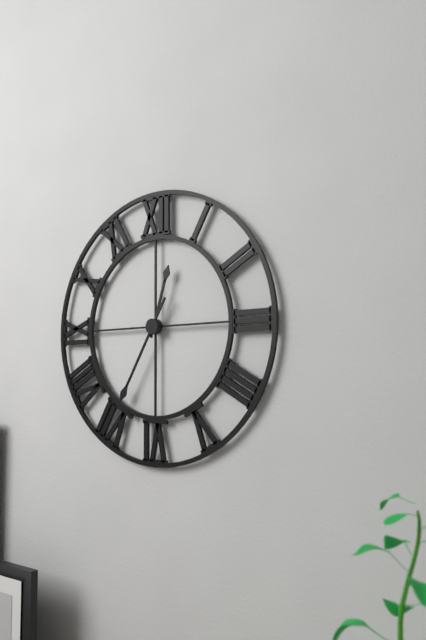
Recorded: 12.35
